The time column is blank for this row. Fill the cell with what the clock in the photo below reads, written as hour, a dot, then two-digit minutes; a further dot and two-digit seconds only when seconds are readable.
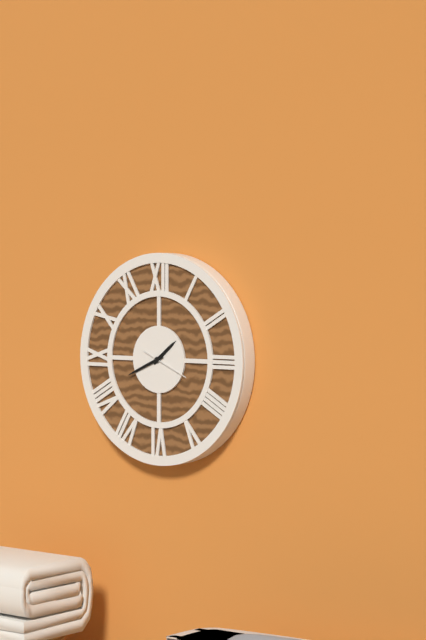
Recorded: 1.41
